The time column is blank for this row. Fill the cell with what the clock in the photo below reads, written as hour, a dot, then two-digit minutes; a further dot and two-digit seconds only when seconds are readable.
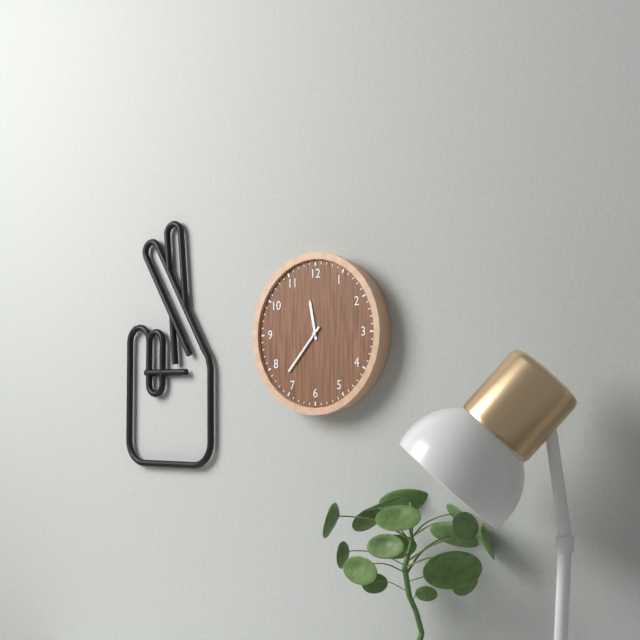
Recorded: 11.37
